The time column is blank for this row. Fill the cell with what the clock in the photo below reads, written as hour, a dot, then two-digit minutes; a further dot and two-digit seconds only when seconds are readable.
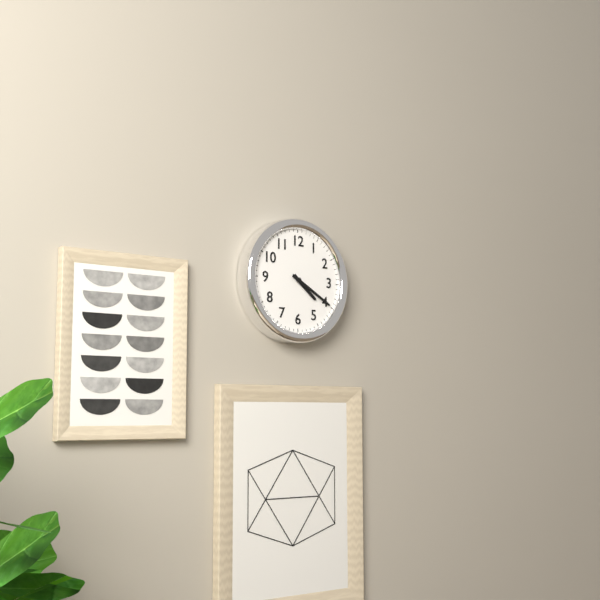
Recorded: 4.20
